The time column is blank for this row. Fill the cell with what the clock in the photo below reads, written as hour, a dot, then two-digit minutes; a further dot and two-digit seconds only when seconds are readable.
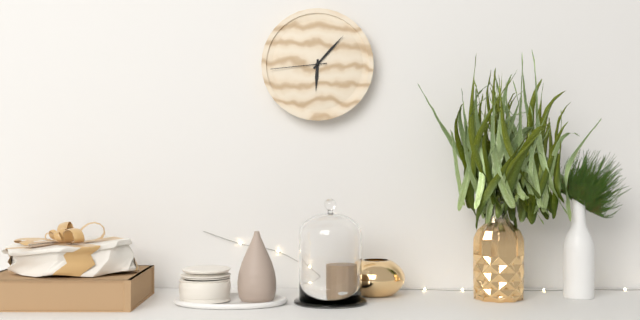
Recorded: 6.07.44
